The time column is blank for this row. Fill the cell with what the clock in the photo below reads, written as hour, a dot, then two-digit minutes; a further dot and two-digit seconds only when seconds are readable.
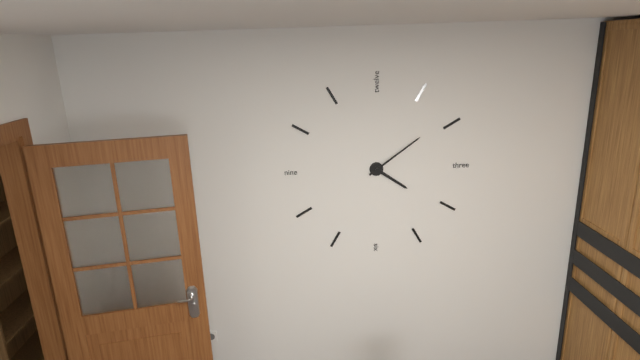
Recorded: 4.09
